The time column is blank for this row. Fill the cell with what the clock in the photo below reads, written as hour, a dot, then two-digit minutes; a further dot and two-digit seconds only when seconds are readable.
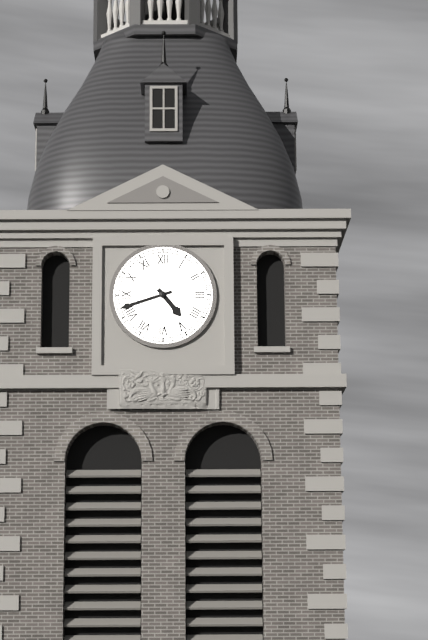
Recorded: 4.42
